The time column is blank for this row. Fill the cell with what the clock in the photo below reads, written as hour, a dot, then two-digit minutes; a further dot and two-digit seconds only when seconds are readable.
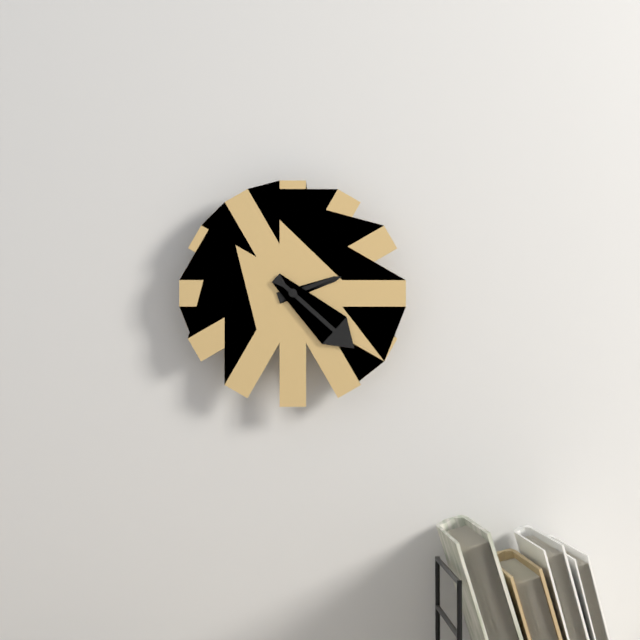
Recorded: 2.22
